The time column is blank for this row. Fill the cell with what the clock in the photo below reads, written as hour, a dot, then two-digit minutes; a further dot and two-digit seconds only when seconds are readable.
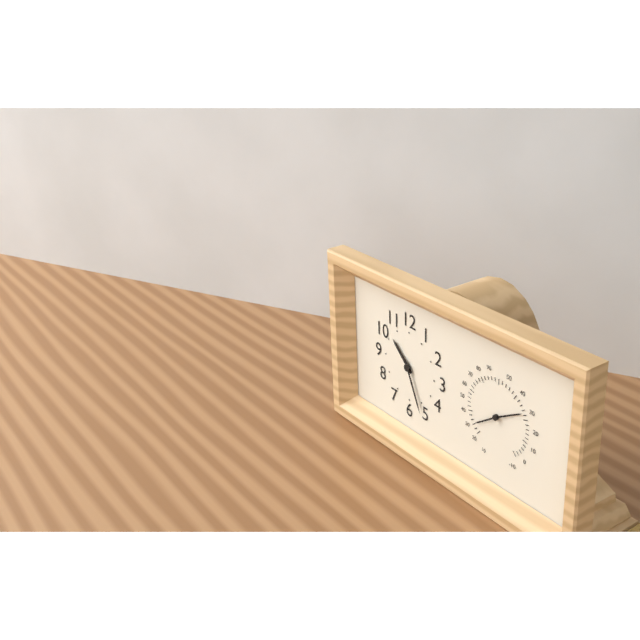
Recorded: 10.26
